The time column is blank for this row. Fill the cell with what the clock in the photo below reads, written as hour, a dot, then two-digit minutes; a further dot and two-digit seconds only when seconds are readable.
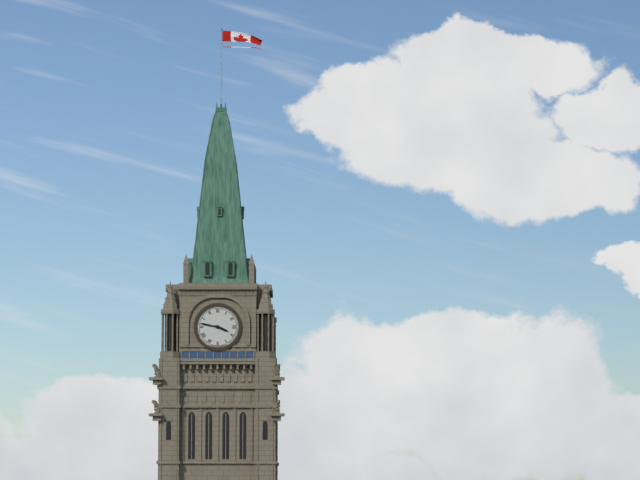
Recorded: 3.47
